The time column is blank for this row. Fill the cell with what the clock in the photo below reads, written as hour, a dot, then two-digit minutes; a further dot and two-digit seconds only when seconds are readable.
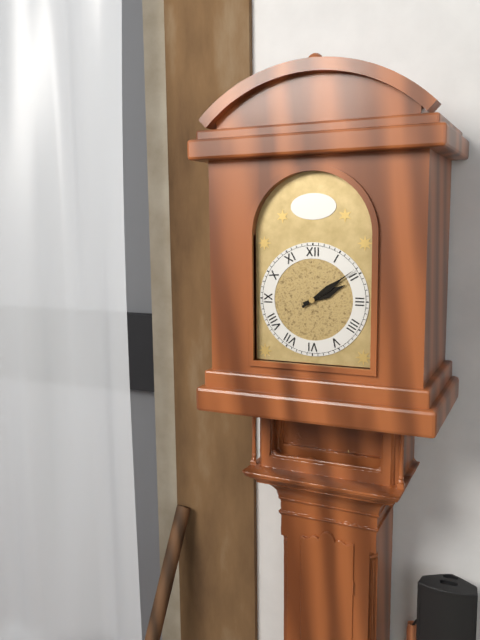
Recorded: 2.09
